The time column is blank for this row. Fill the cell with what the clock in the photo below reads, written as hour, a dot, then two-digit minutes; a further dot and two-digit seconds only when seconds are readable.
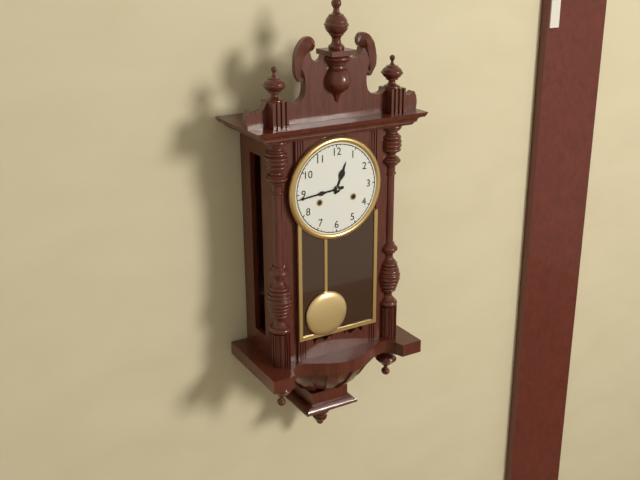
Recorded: 12.44
